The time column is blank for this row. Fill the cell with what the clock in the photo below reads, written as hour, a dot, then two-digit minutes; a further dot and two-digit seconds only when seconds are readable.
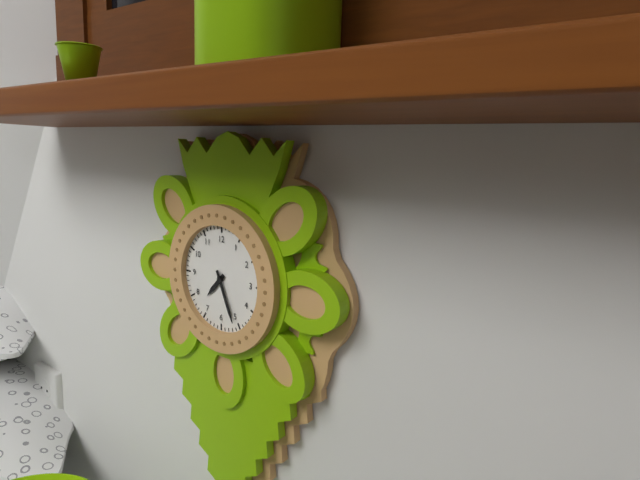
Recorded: 7.26
